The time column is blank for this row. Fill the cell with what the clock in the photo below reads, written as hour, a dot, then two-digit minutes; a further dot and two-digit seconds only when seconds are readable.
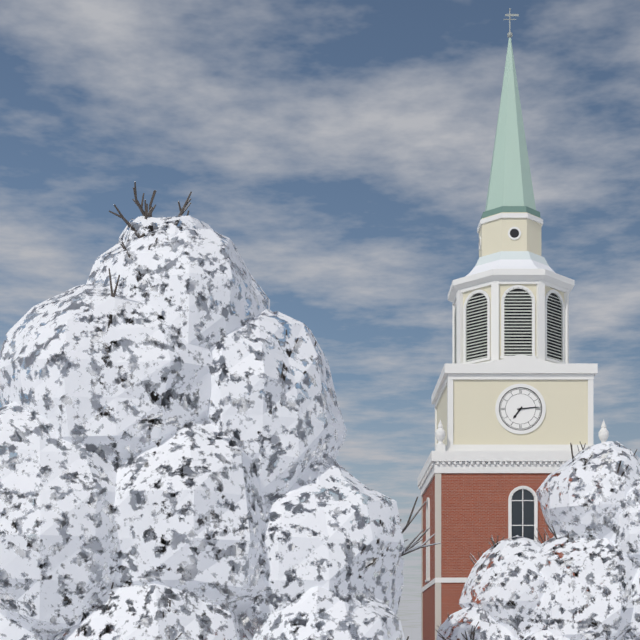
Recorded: 7.14
